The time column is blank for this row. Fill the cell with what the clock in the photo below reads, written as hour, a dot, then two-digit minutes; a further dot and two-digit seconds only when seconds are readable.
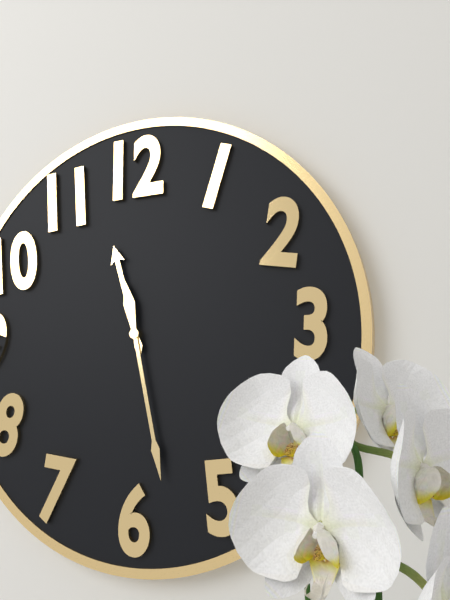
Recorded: 11.28
